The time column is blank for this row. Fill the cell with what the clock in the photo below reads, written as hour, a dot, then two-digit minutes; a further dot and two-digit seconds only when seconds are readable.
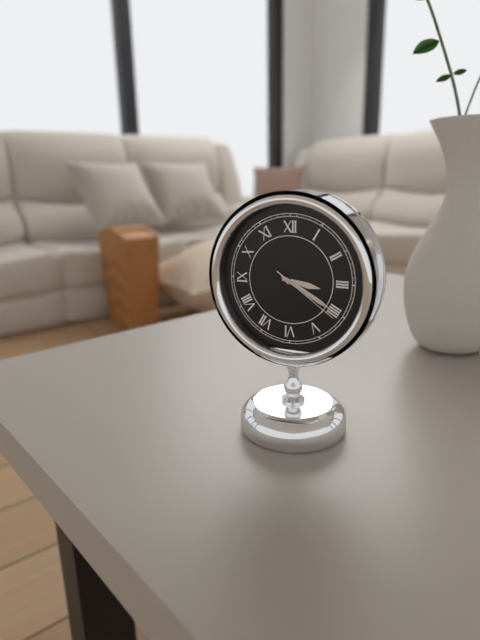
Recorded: 3.20.21
